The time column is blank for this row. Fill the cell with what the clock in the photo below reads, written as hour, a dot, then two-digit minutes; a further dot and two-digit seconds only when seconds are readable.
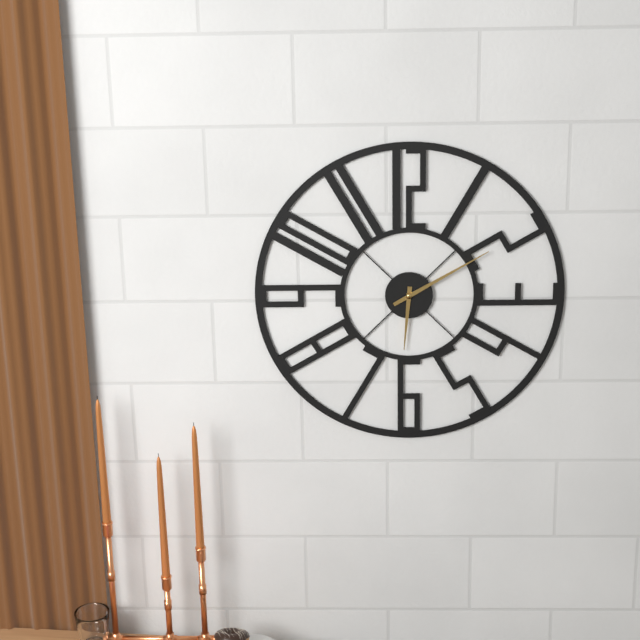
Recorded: 6.10
